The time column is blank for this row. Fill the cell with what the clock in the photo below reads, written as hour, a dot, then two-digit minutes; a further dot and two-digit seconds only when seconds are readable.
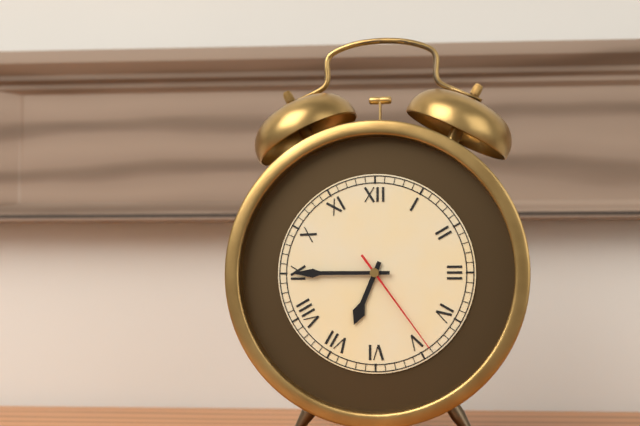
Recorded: 6.45.24
